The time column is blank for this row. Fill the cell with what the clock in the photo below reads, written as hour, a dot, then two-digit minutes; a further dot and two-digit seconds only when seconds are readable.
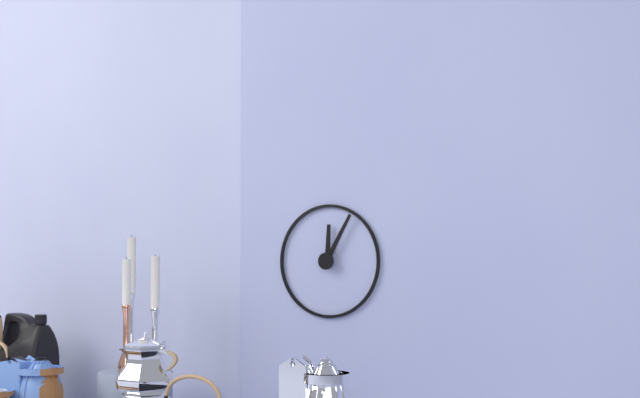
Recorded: 12.05
